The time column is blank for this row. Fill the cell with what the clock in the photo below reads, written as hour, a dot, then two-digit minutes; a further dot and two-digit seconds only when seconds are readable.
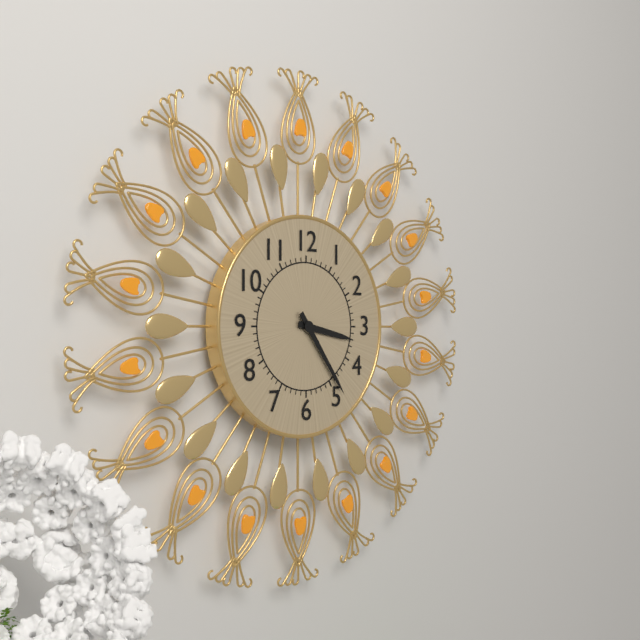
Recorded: 3.24
